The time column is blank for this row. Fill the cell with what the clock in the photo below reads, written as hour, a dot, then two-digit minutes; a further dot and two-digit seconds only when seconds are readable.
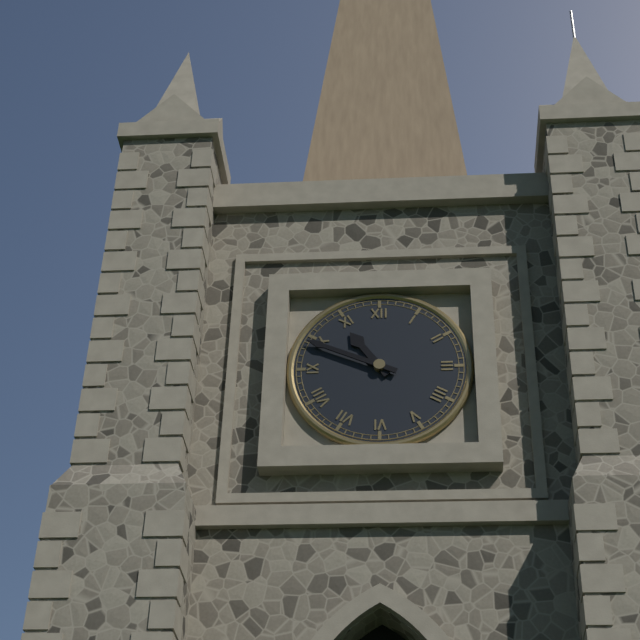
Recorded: 10.49
